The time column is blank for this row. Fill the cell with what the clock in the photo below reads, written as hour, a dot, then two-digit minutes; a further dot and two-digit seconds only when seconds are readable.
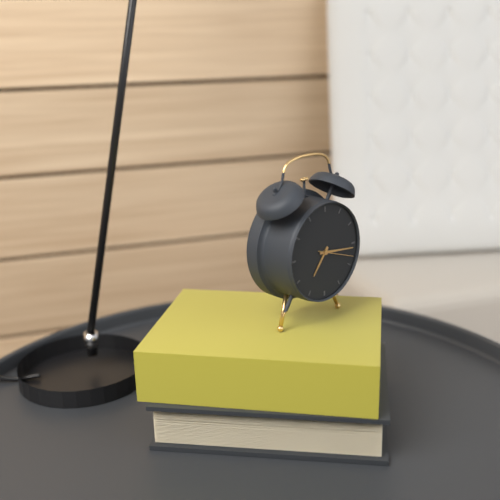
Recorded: 7.16.18
